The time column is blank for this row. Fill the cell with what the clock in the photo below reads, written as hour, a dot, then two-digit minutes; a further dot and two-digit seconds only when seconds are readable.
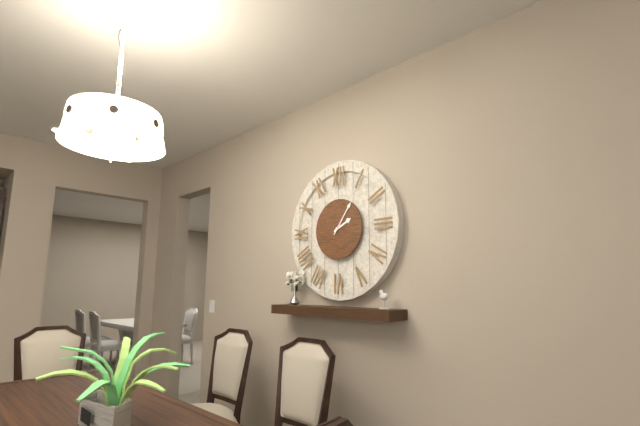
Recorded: 2.06
